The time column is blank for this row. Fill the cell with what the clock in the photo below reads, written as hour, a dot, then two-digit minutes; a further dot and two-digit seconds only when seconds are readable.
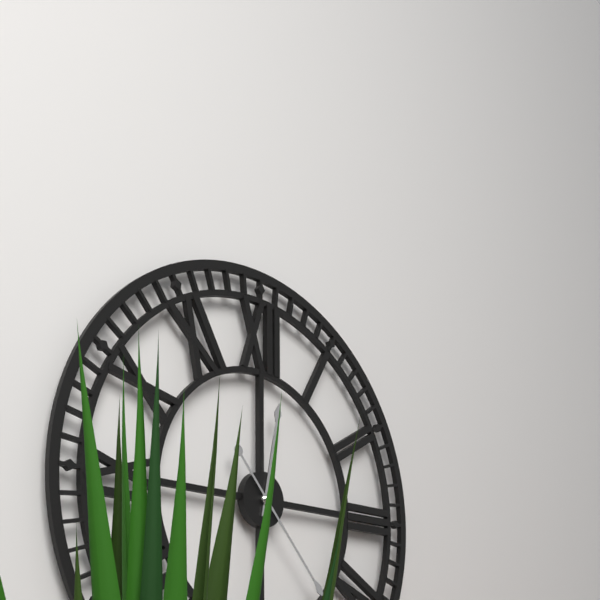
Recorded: 12.23
